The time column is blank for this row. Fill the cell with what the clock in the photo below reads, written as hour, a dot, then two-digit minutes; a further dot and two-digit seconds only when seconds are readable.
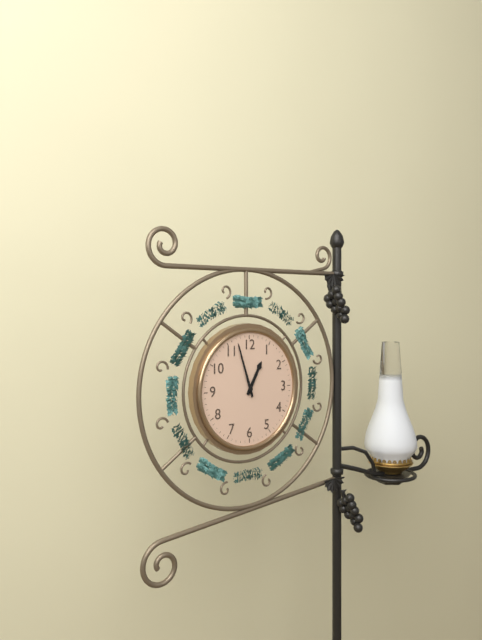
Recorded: 12.57
